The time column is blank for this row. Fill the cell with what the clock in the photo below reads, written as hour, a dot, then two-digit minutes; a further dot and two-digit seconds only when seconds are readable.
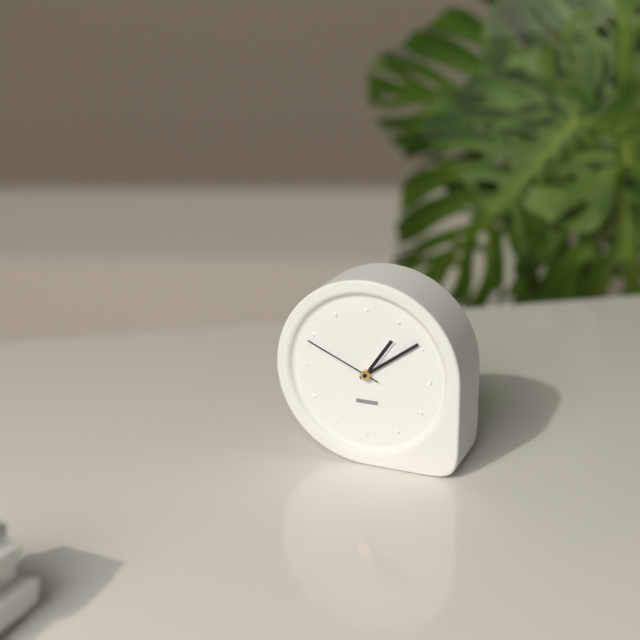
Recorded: 1.09.49
